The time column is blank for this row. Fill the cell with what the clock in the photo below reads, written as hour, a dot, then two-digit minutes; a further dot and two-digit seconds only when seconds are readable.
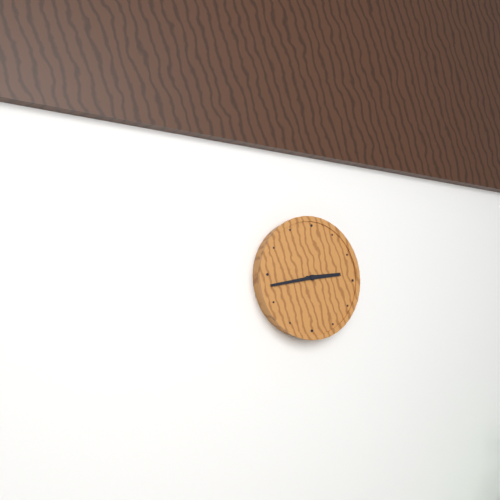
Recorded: 2.43
